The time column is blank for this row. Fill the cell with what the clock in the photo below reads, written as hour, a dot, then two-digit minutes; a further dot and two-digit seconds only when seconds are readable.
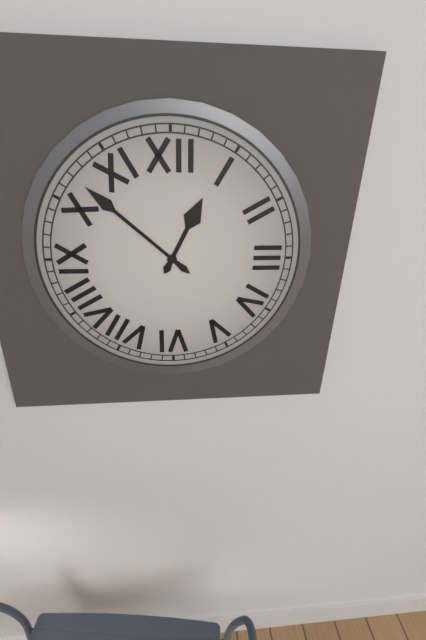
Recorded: 12.52
